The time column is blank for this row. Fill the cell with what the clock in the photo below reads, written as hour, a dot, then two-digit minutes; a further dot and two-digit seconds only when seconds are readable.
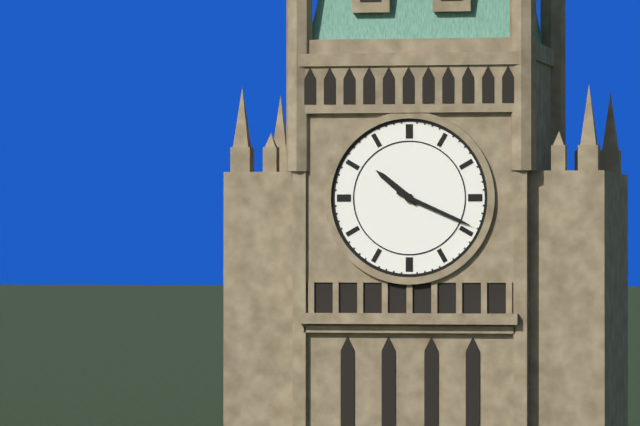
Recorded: 10.19
